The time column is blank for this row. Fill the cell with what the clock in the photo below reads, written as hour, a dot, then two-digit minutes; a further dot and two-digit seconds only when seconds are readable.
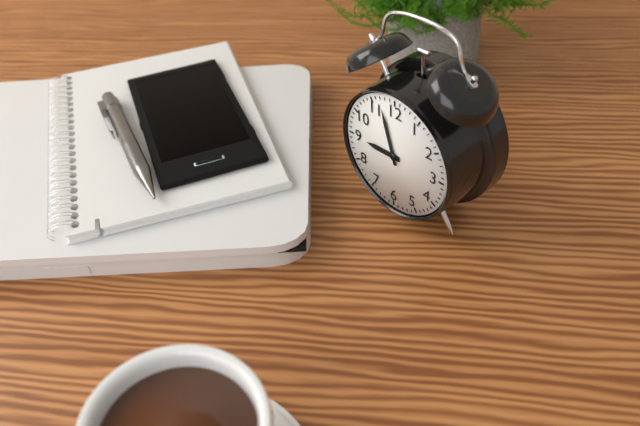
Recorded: 8.57
